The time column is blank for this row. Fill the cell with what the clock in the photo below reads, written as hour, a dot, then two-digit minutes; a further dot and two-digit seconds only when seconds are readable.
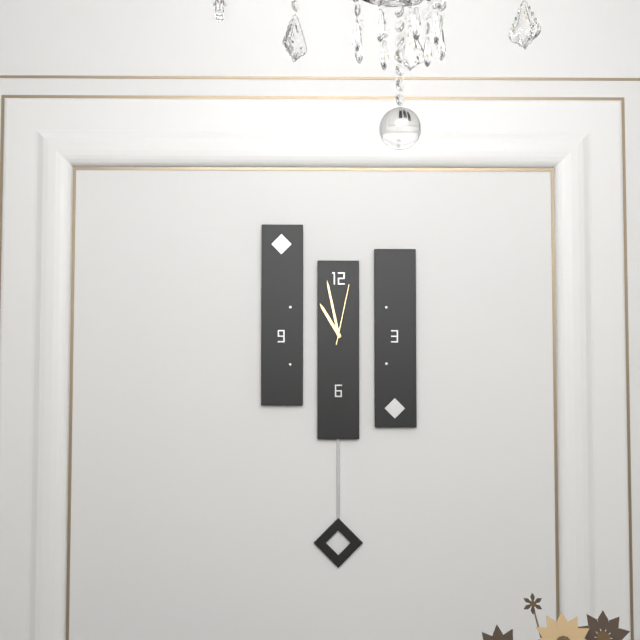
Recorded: 10.58.02
